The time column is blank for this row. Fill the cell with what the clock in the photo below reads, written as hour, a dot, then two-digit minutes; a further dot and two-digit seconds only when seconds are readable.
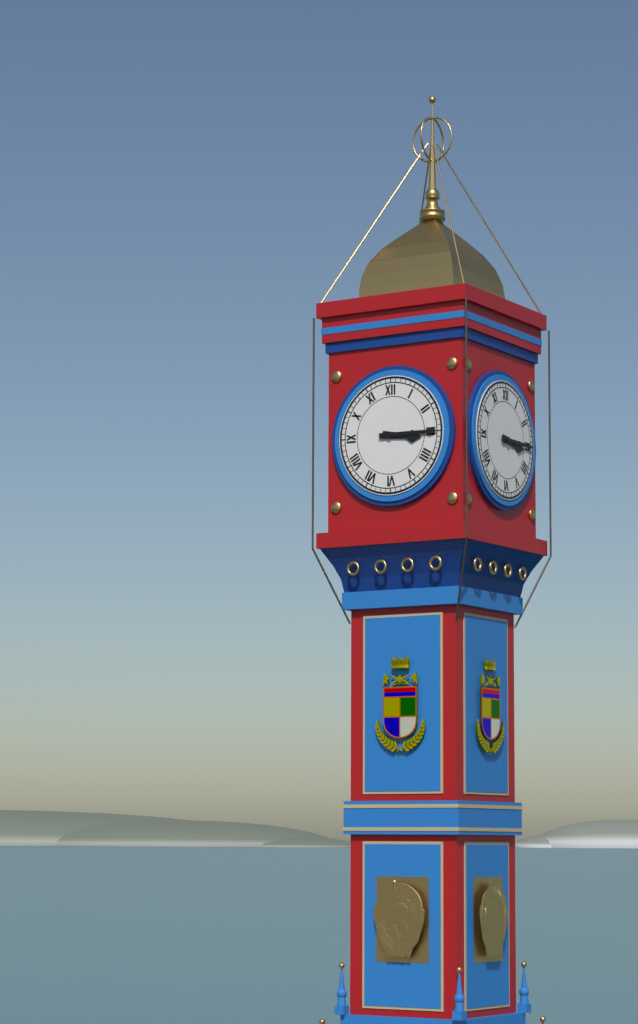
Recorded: 3.15
